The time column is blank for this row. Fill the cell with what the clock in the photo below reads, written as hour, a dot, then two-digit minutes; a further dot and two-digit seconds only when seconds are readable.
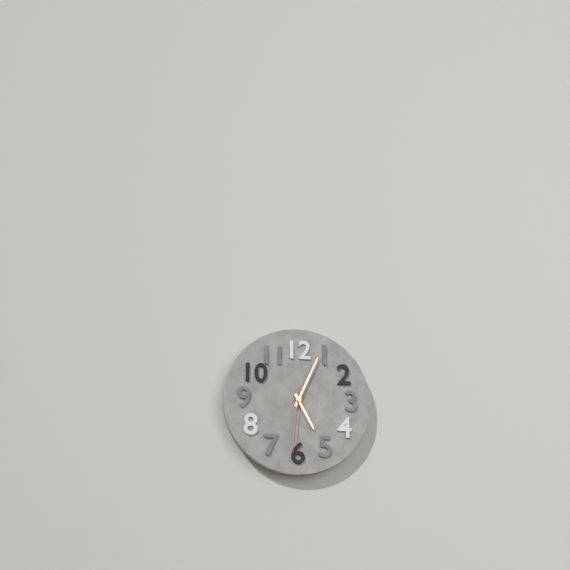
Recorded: 5.04.31
